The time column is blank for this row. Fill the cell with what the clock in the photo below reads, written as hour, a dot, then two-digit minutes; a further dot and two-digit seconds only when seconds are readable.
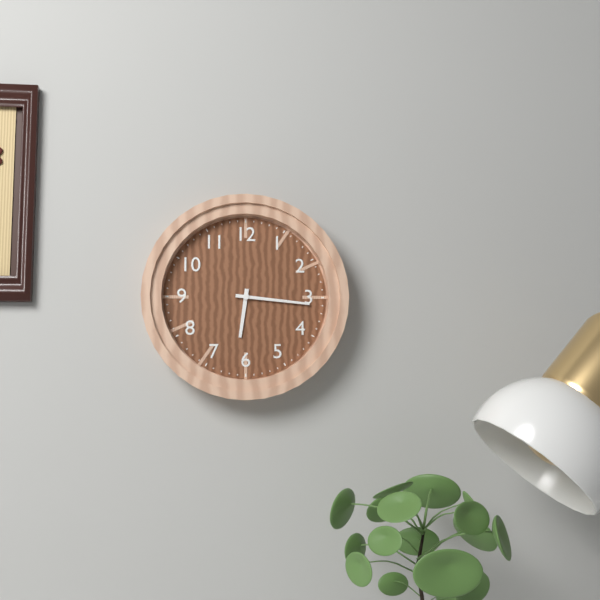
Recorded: 6.16
